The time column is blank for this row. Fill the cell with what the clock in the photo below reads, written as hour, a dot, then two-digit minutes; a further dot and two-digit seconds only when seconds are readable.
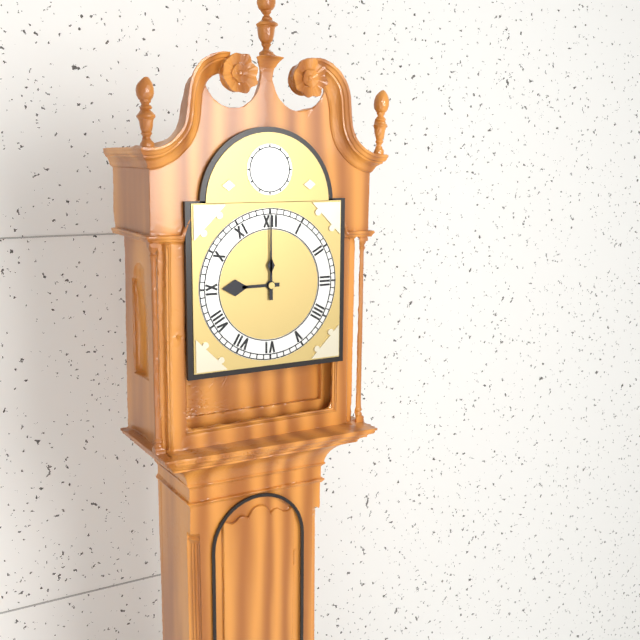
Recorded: 9.00
